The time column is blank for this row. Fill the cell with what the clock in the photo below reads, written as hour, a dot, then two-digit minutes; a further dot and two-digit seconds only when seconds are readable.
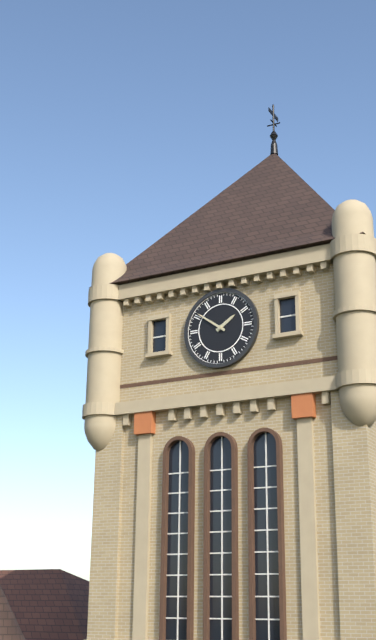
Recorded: 1.51
